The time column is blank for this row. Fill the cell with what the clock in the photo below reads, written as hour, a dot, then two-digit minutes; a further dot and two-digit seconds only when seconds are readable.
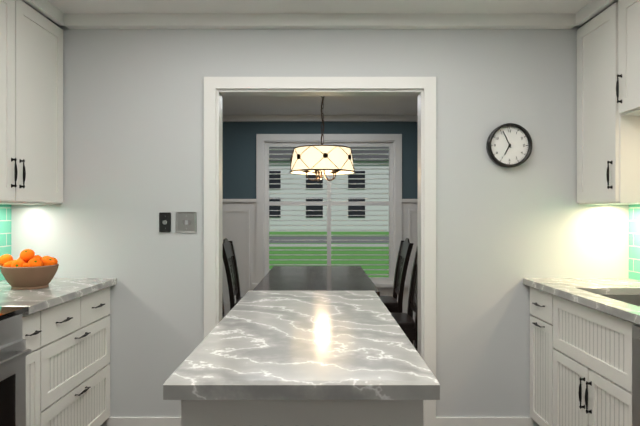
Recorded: 6.56
